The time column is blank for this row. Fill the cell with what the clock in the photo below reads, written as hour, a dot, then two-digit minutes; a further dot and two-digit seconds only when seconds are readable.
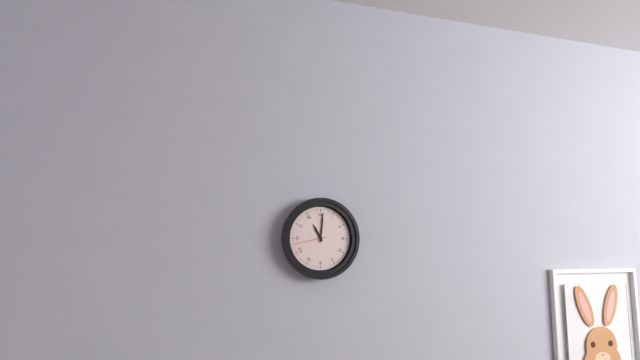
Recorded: 11.01
